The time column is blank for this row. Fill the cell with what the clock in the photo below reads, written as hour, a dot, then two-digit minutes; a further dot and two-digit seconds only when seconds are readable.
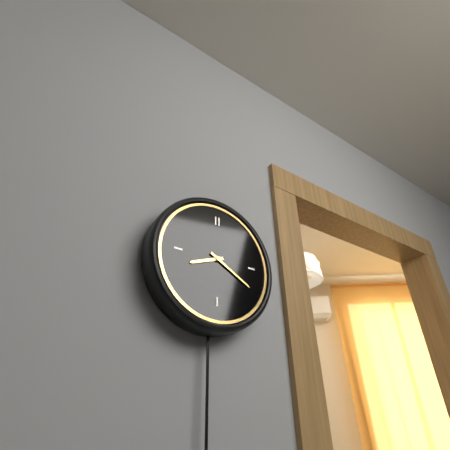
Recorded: 8.20
